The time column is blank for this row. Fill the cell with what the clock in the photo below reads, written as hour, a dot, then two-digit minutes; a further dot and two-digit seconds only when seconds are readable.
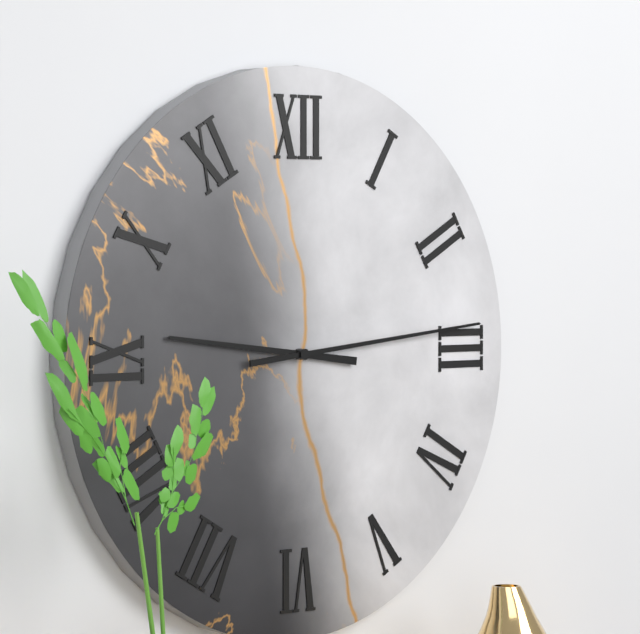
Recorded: 9.14
